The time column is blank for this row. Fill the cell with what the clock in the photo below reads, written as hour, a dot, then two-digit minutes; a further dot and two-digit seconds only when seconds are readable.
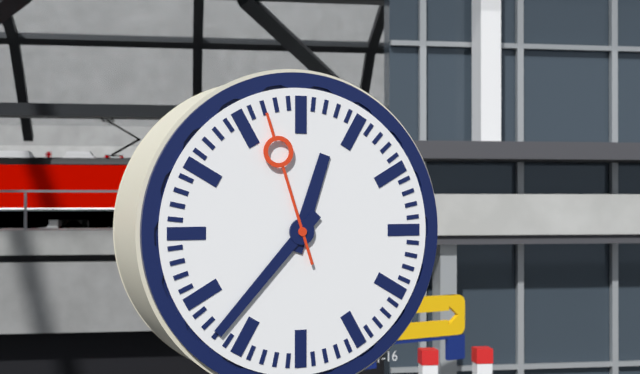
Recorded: 12.37.57
